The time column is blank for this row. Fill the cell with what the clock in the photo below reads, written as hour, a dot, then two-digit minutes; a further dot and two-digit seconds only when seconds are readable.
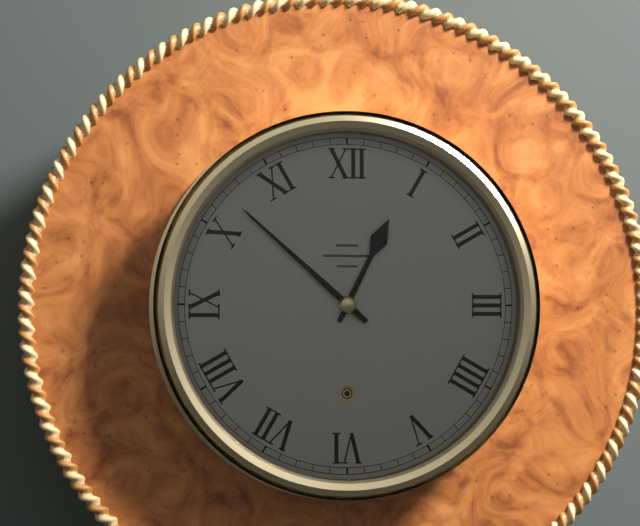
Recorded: 12.52
